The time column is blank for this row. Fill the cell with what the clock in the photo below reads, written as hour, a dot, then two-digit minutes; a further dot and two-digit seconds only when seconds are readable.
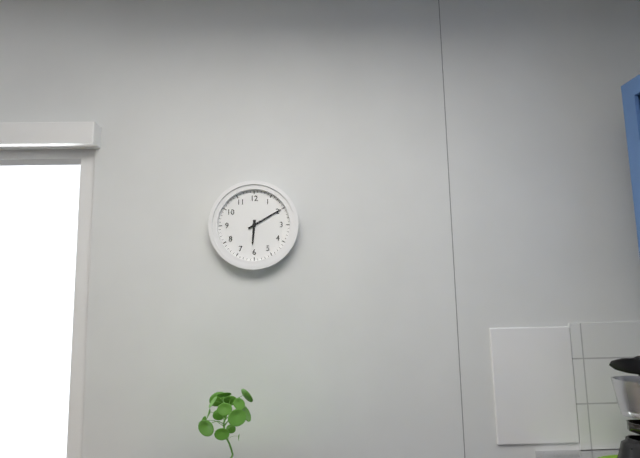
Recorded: 6.10
